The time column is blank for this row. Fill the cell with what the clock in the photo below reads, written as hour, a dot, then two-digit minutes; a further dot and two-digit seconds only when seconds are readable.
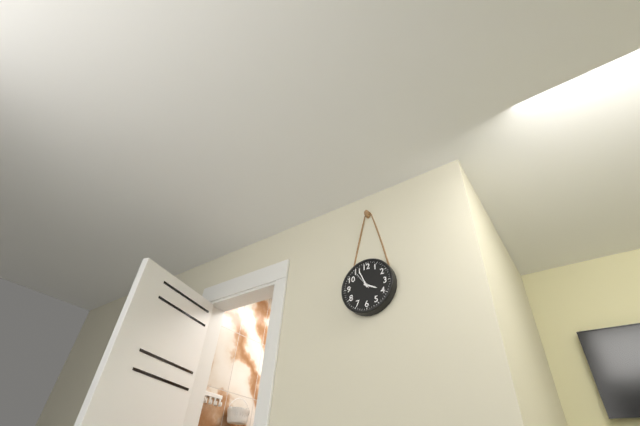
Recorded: 3.56
